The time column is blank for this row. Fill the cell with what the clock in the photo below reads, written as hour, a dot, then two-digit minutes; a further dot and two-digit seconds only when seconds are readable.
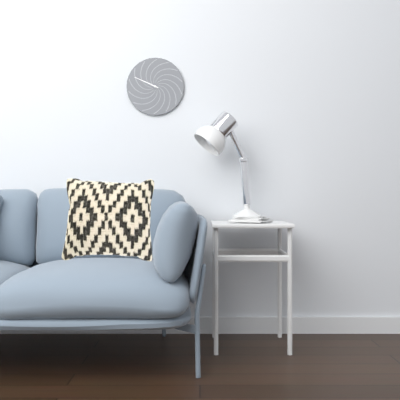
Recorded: 9.49
